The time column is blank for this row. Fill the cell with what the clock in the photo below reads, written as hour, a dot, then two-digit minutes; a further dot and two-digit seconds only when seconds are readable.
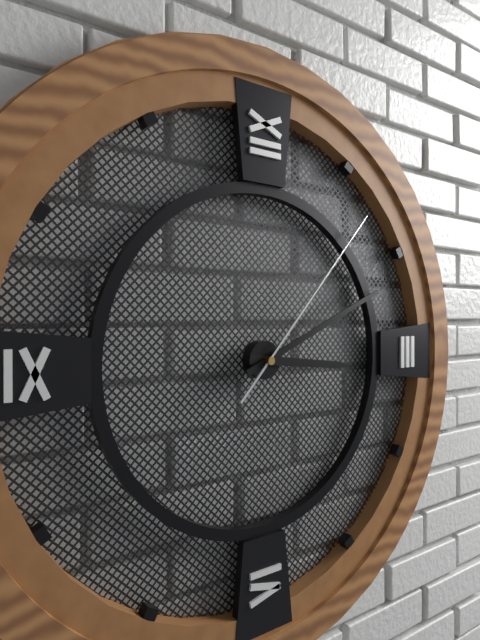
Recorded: 3.11.07
